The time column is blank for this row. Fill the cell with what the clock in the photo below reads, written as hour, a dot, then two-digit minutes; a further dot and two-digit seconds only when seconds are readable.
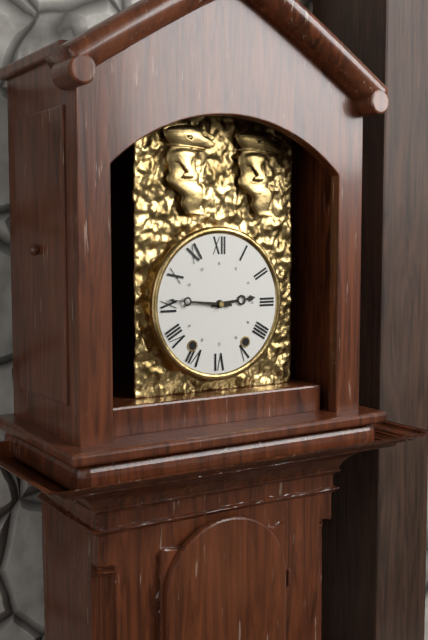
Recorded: 2.46
